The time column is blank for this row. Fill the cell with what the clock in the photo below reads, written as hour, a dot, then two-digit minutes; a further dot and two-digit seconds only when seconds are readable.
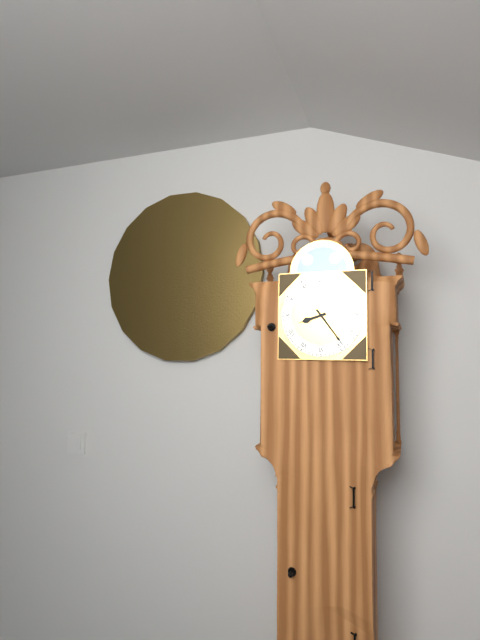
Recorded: 8.24
